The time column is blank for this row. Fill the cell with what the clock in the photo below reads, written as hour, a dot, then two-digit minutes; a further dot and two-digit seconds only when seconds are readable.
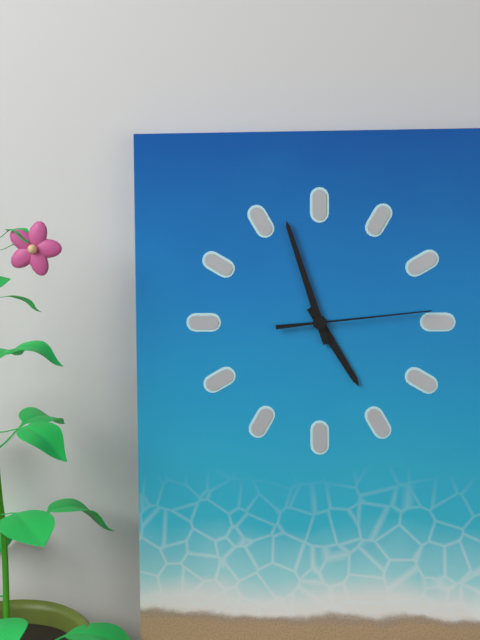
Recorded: 4.57.14
